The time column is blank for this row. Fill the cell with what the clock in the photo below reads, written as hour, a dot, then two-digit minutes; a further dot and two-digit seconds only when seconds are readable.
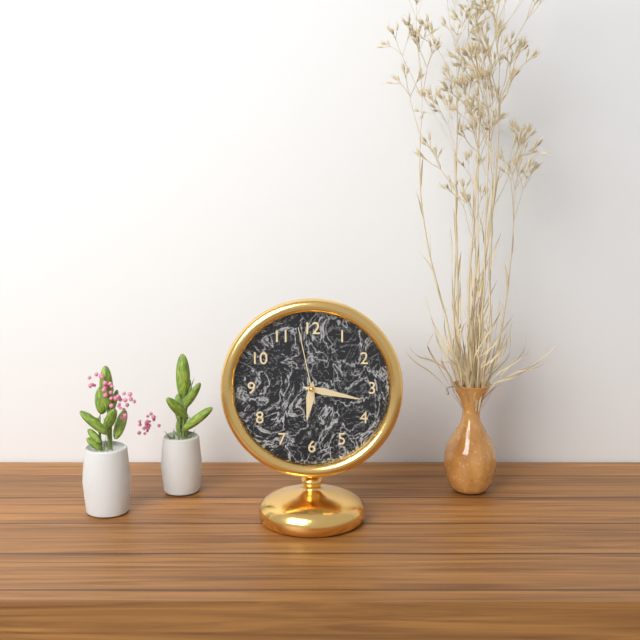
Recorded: 6.17.58
